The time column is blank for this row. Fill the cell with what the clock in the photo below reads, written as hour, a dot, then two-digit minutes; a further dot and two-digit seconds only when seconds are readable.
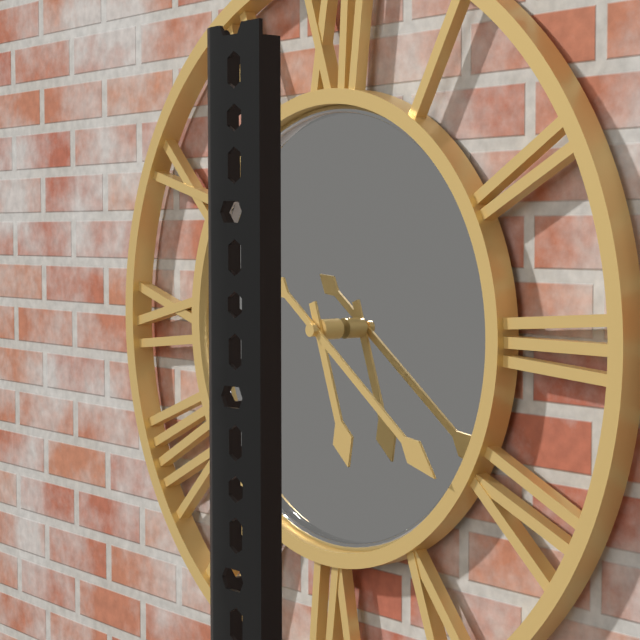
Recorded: 5.21
